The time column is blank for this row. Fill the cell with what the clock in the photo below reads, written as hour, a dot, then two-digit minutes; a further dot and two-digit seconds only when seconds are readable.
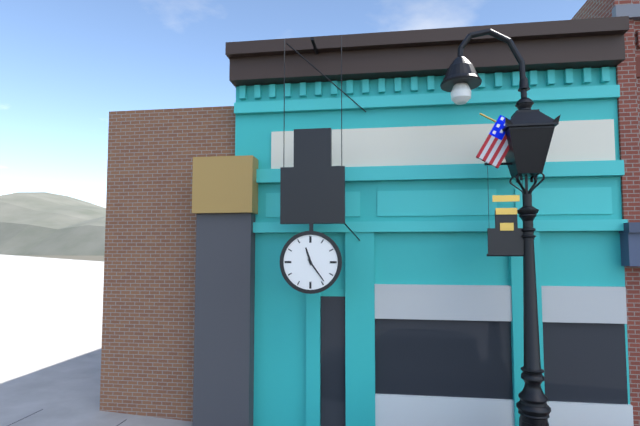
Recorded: 11.24
